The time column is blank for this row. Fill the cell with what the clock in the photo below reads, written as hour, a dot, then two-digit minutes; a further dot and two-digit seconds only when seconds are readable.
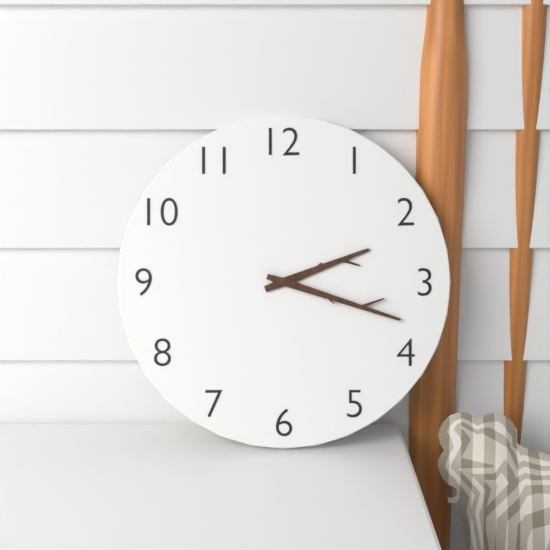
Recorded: 2.18
